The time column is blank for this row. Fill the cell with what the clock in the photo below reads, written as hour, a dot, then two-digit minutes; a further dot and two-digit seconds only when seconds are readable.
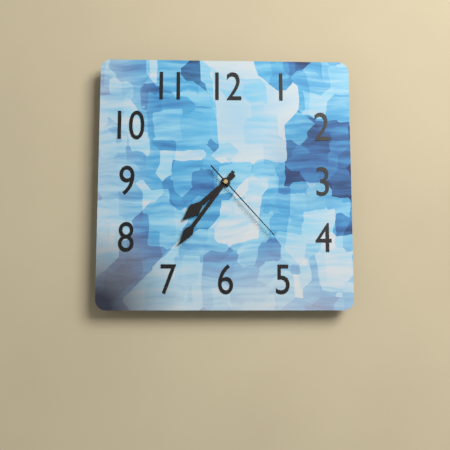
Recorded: 7.36.23
